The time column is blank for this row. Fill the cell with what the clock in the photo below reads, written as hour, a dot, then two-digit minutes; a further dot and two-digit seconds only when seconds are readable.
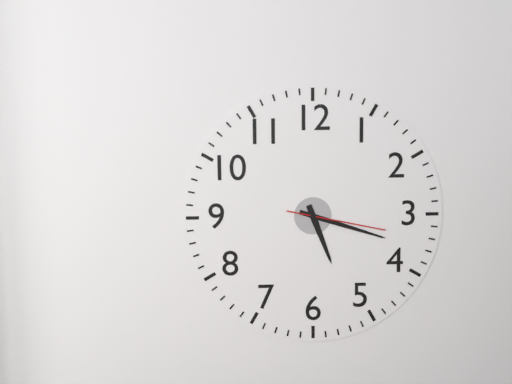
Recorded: 5.18.17
